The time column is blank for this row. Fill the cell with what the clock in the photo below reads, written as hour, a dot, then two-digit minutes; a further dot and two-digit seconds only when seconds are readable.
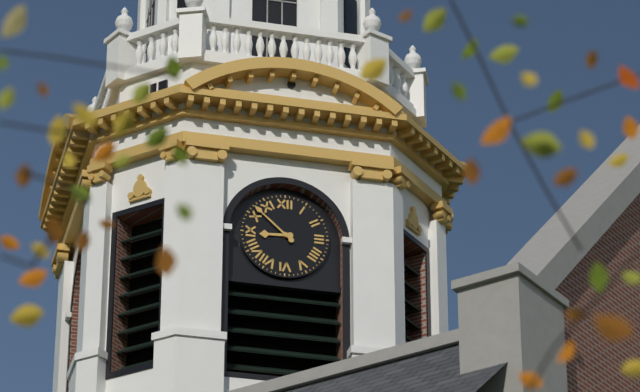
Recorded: 8.52
